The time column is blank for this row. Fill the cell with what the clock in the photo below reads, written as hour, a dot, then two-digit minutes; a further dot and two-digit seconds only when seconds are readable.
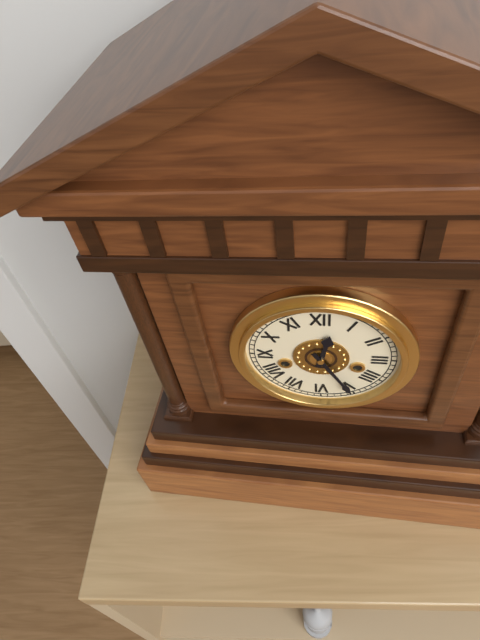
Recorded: 12.25
